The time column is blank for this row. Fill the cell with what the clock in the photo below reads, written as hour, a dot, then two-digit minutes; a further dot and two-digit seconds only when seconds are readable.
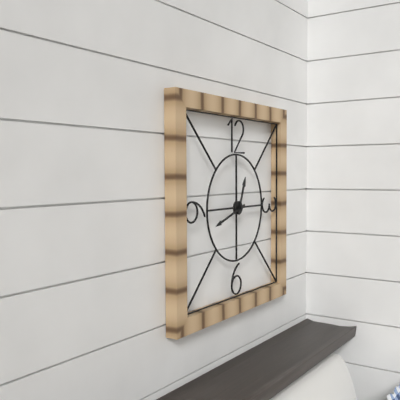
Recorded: 12.42
